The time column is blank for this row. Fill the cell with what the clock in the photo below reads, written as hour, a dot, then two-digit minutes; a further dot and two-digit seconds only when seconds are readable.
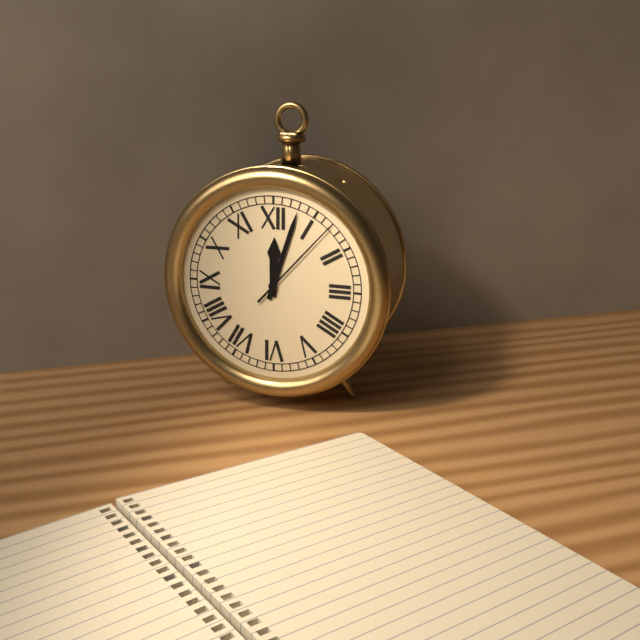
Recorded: 12.03.07
